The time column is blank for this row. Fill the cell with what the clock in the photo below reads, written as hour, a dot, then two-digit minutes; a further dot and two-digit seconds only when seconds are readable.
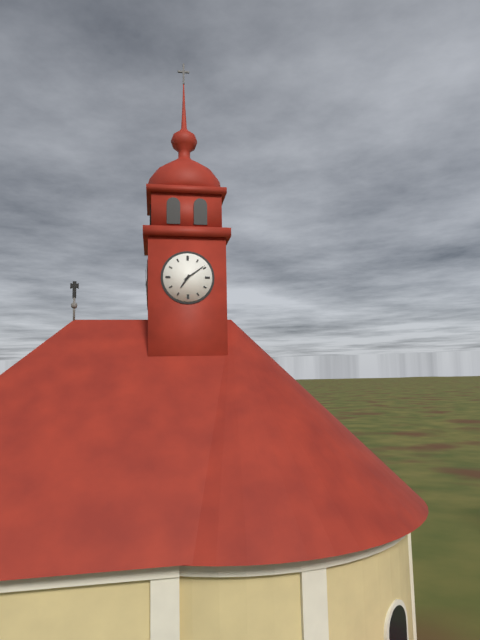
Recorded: 7.09
